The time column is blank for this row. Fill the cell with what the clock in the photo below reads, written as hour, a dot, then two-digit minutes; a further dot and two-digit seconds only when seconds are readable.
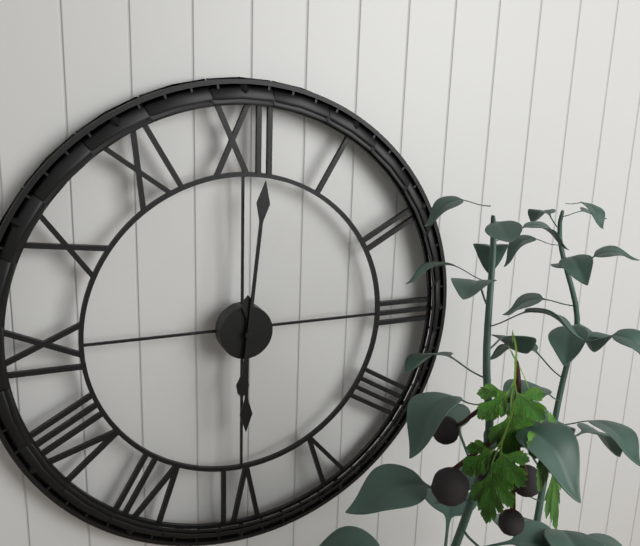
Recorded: 6.01
